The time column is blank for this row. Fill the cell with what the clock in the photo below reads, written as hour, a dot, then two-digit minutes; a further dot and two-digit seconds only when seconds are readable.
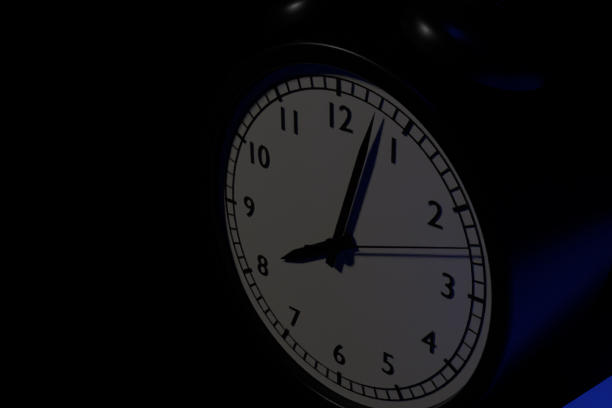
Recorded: 8.03.12
